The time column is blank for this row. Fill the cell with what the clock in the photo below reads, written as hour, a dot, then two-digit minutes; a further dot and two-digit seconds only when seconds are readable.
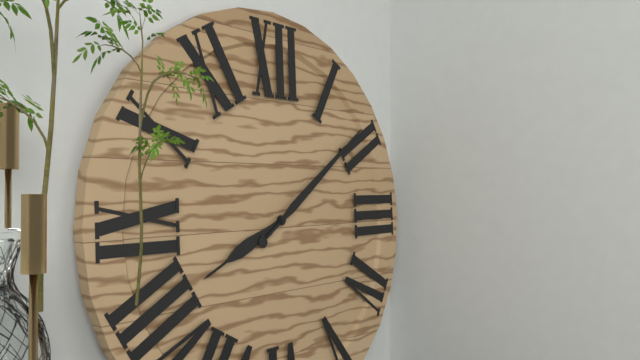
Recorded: 8.09
